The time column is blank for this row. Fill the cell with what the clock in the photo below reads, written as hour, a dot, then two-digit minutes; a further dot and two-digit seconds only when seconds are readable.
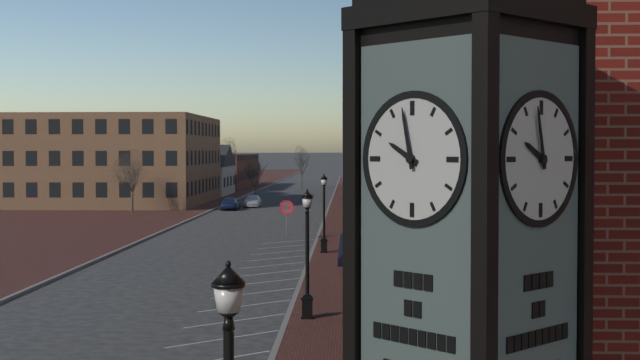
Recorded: 9.58
